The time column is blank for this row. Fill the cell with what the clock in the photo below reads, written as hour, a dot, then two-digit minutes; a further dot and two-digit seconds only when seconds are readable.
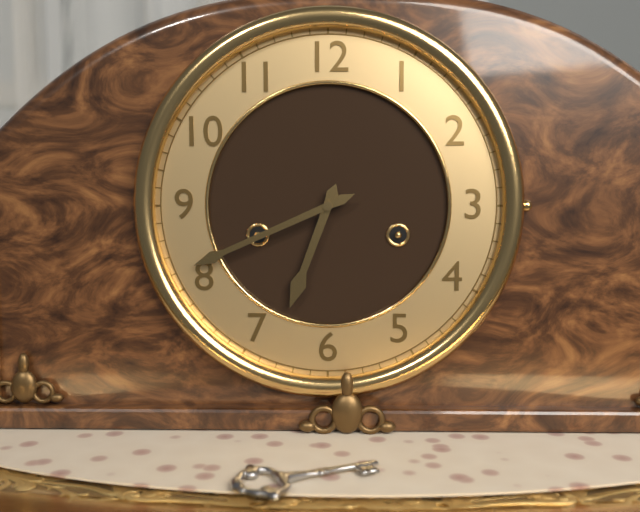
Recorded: 6.41
